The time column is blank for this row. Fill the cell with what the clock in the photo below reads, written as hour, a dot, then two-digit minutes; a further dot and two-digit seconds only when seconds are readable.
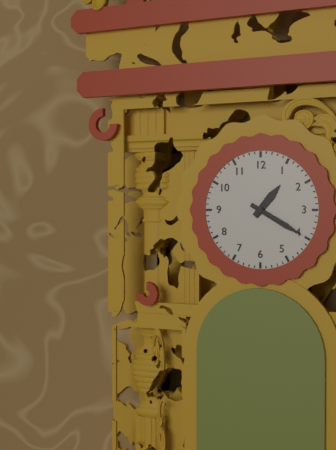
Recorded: 1.20
